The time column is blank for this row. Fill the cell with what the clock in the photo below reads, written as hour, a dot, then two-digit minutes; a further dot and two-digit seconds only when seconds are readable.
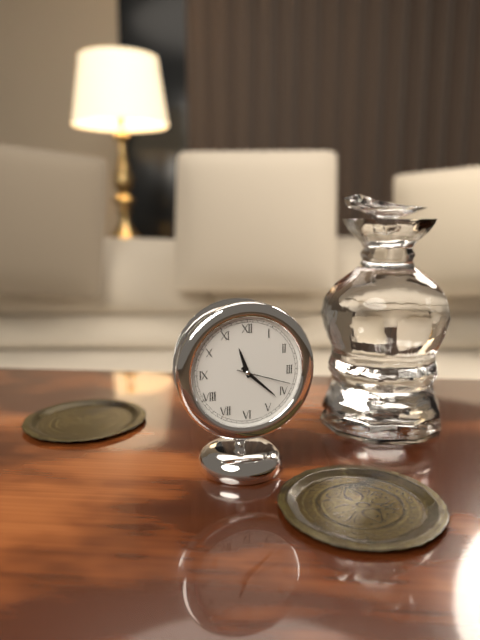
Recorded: 11.22.18
